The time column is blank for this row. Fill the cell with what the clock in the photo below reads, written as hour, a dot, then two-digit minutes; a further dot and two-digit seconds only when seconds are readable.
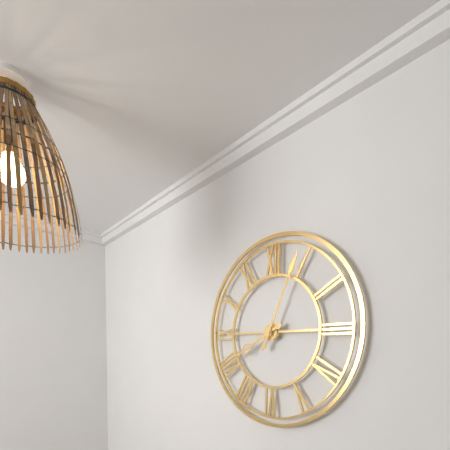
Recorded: 8.04
